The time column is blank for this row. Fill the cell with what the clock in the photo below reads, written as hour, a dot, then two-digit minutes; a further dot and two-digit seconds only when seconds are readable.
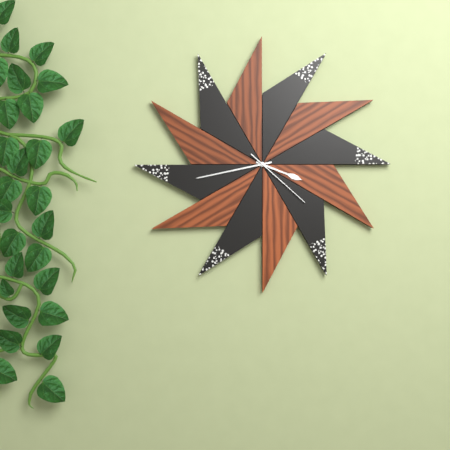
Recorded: 3.43.22
